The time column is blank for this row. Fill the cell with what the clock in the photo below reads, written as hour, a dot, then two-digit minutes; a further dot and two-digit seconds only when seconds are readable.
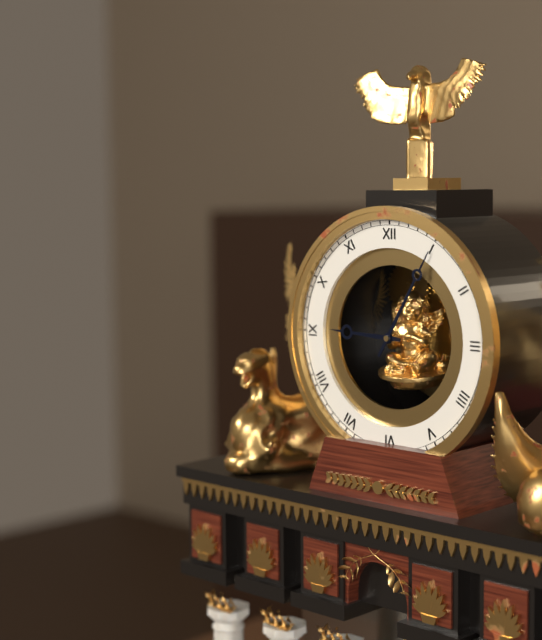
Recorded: 9.05
